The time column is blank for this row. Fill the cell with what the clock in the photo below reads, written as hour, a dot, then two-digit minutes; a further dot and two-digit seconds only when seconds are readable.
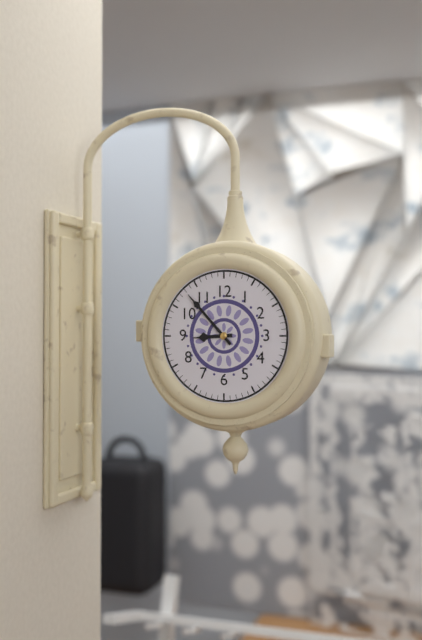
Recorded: 8.53
